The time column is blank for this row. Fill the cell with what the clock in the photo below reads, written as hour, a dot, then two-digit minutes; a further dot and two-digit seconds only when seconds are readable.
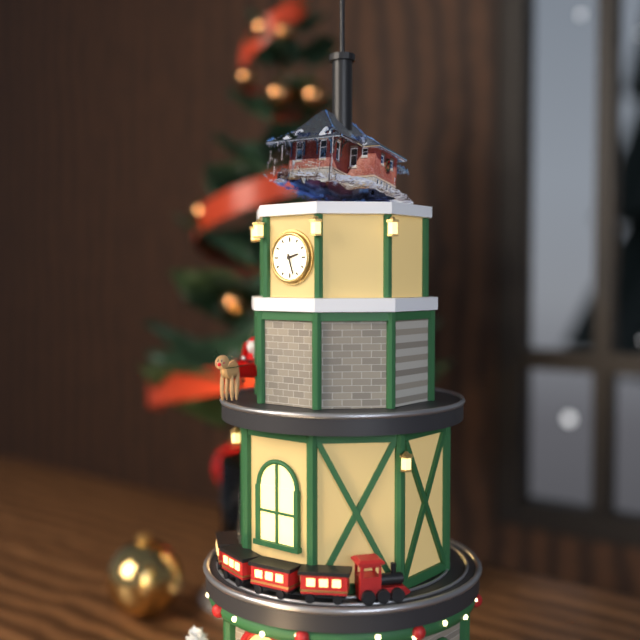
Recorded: 2.27
